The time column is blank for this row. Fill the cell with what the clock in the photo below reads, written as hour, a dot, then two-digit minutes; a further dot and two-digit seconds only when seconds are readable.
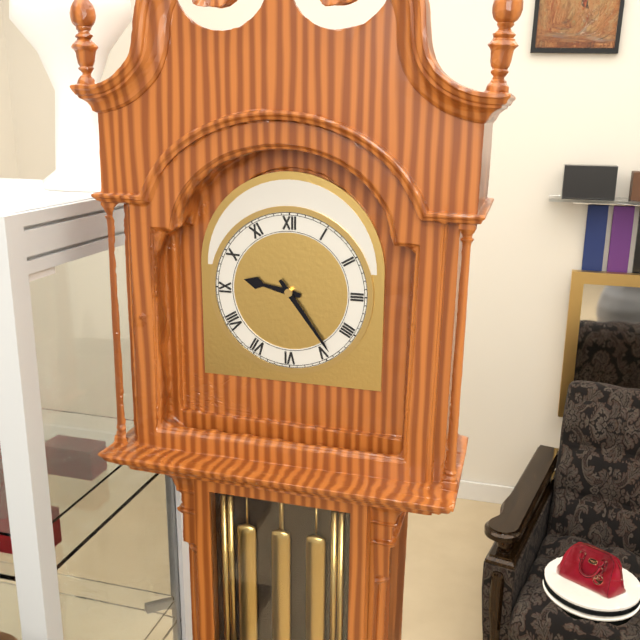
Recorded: 9.24
